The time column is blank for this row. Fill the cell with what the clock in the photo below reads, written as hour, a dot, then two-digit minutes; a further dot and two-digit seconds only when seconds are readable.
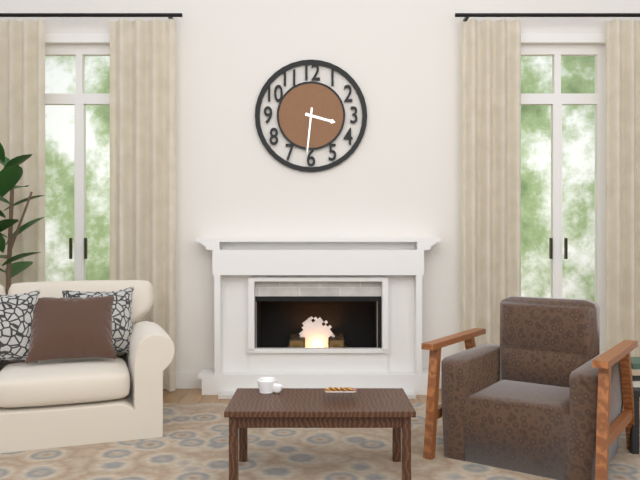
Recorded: 3.31
